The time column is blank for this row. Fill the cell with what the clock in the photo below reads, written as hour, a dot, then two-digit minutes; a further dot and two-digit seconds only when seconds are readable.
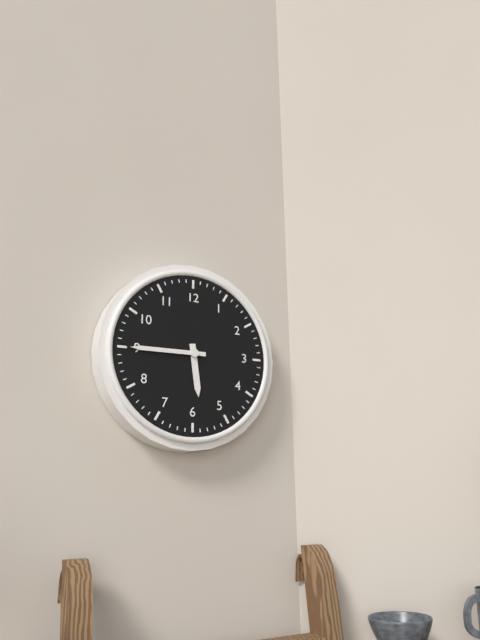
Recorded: 5.45
